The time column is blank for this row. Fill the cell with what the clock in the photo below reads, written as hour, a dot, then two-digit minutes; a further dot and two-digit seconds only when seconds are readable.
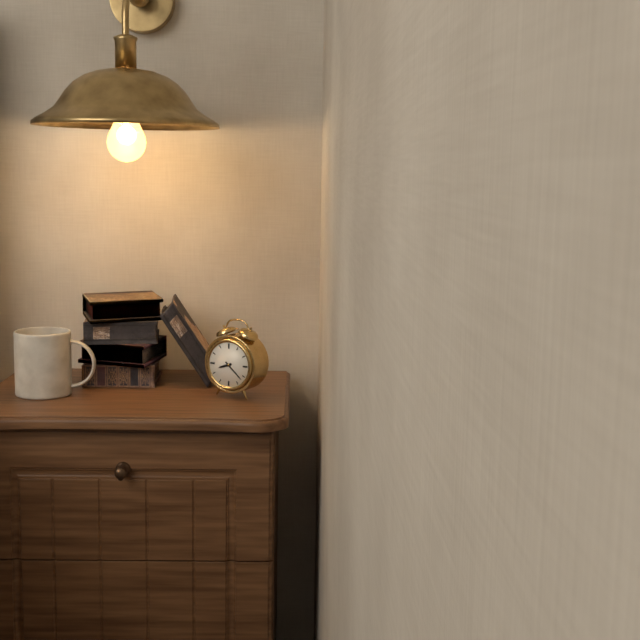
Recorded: 8.22
